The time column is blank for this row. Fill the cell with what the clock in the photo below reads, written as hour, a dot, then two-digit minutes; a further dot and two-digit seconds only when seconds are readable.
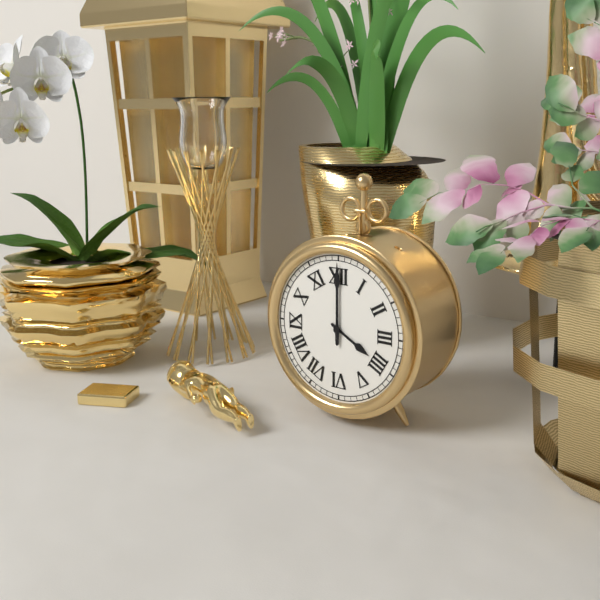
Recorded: 4.00
